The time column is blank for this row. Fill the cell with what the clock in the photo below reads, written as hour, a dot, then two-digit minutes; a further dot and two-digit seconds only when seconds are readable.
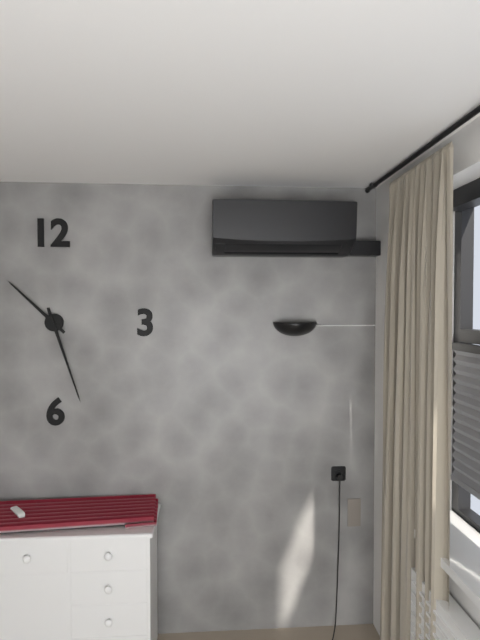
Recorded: 10.27
